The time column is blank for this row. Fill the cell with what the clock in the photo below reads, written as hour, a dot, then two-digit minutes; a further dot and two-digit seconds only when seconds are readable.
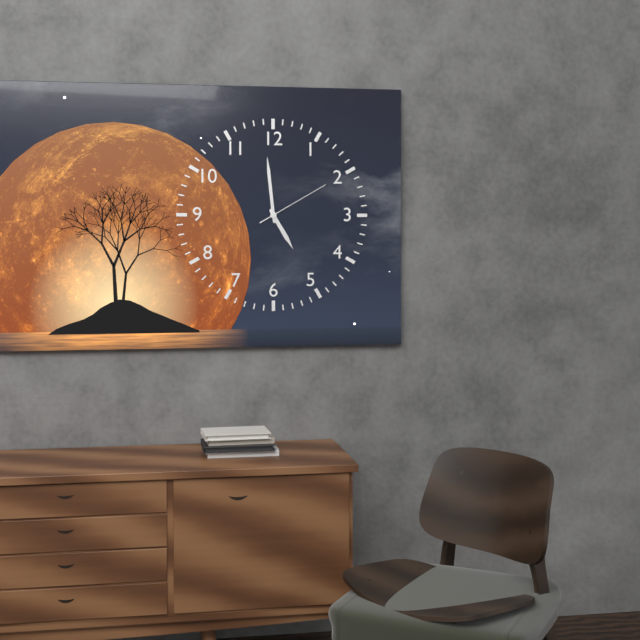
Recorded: 4.59.10
